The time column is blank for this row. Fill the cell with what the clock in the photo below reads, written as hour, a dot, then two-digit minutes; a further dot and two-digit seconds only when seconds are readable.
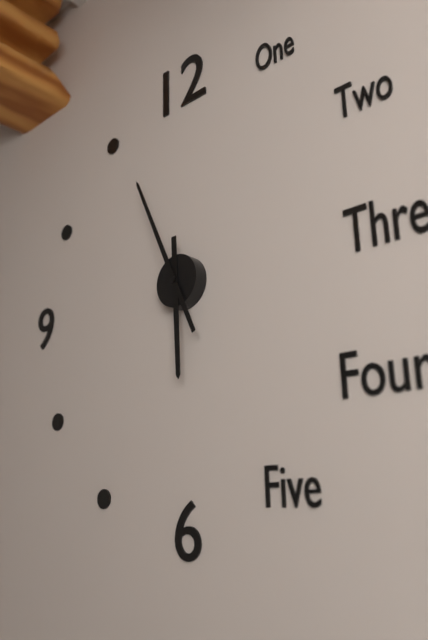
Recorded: 5.56
